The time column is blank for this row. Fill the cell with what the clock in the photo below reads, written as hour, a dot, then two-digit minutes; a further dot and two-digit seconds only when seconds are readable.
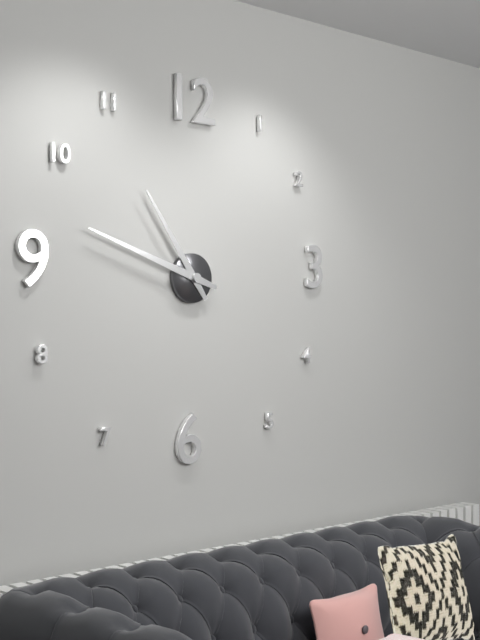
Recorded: 10.48
